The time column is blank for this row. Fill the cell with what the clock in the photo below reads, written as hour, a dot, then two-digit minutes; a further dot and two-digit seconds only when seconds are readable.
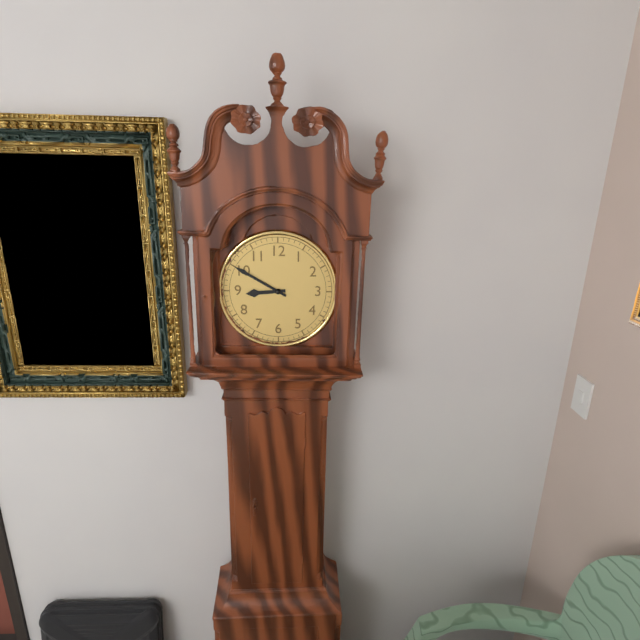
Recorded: 8.50
